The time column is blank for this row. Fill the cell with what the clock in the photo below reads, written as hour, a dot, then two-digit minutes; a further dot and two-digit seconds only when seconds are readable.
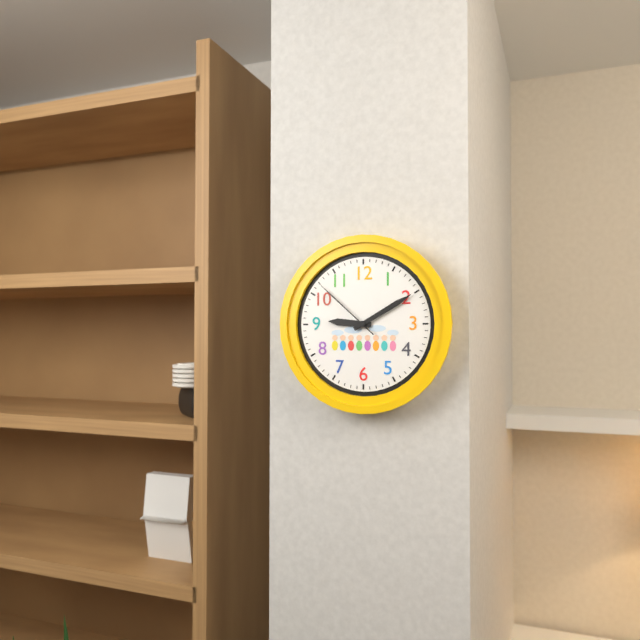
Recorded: 9.10.52
